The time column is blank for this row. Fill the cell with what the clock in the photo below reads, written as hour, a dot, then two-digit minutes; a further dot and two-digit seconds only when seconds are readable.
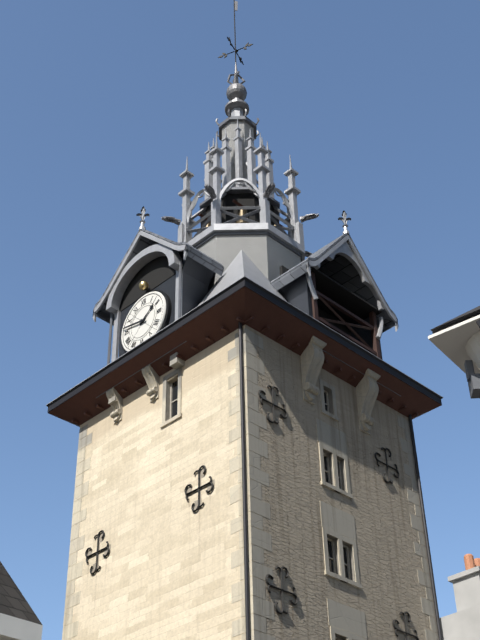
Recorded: 1.47
